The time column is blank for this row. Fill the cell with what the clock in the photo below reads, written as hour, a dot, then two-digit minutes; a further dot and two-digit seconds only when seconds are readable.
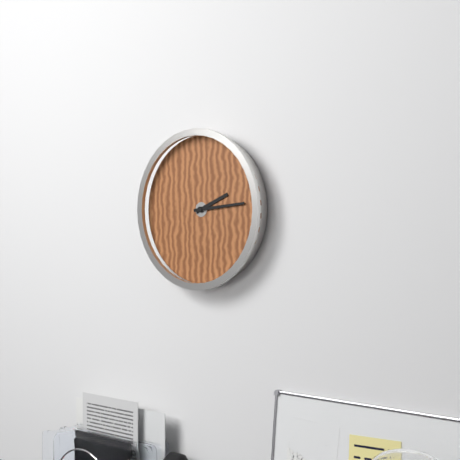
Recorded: 2.14
